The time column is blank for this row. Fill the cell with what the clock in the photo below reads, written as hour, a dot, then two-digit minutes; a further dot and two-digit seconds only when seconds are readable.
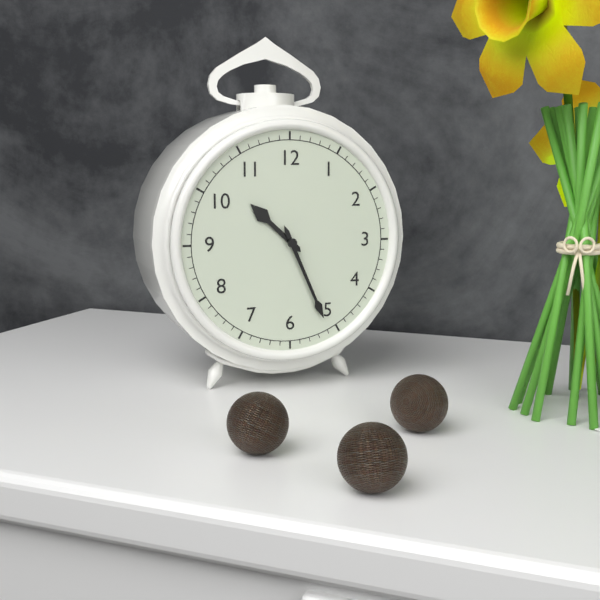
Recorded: 10.26
